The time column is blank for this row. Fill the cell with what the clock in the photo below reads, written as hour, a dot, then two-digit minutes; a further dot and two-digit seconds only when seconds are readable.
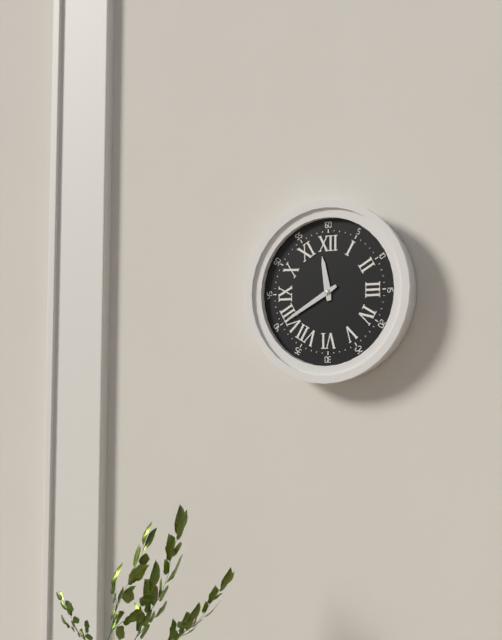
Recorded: 11.40
